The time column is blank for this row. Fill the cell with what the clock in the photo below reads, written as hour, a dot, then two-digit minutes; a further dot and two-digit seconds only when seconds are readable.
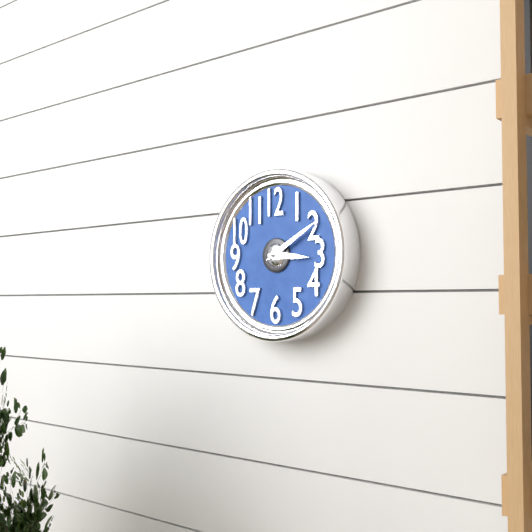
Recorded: 3.10
